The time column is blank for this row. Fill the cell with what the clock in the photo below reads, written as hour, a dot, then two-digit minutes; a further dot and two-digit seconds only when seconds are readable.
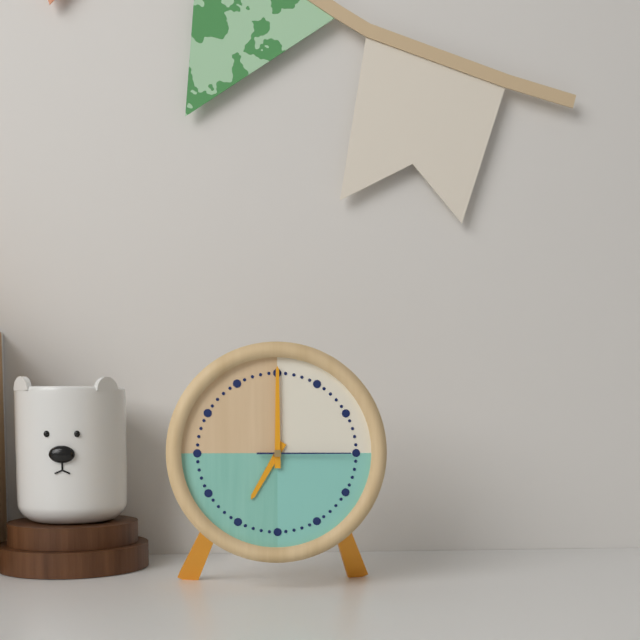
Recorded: 7.00.15
